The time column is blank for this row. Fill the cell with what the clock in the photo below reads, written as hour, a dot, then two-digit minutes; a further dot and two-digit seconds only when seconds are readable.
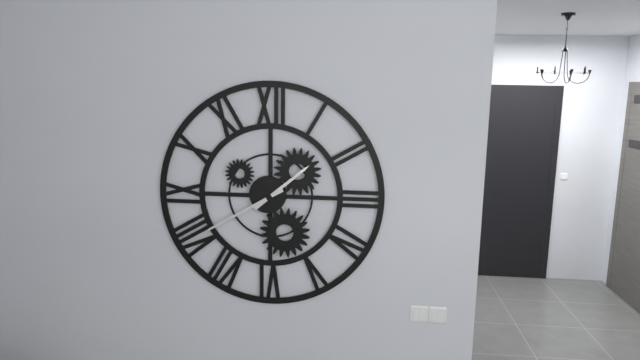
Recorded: 1.40
